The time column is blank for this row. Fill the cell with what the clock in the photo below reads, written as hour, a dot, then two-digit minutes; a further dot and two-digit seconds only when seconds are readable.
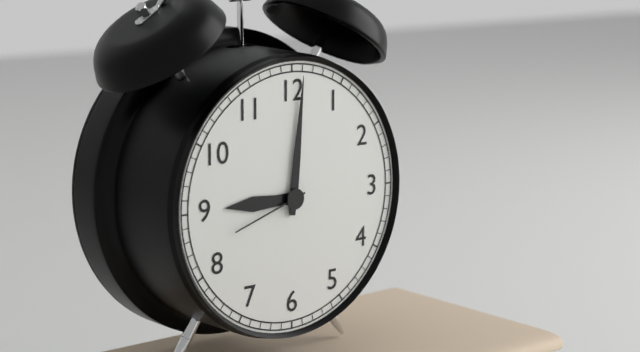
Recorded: 9.01.42
